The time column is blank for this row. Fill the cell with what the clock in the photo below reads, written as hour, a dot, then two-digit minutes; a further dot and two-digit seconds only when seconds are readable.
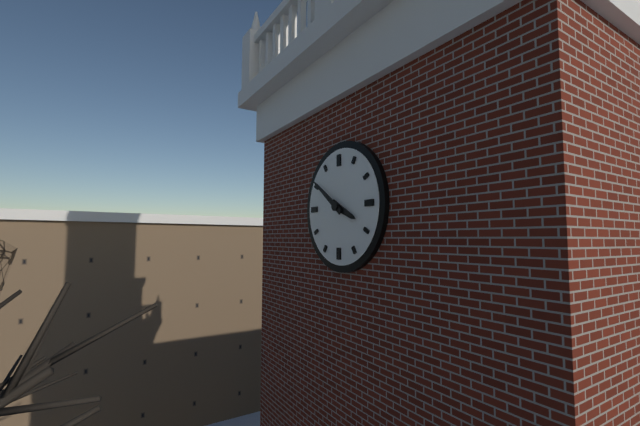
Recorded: 3.51
